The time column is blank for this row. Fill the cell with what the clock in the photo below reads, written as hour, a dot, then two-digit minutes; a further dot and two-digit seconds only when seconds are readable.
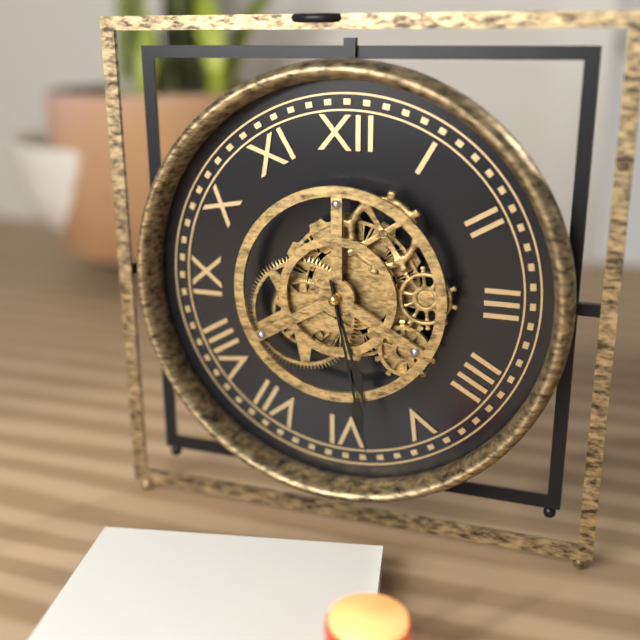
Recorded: 5.28
